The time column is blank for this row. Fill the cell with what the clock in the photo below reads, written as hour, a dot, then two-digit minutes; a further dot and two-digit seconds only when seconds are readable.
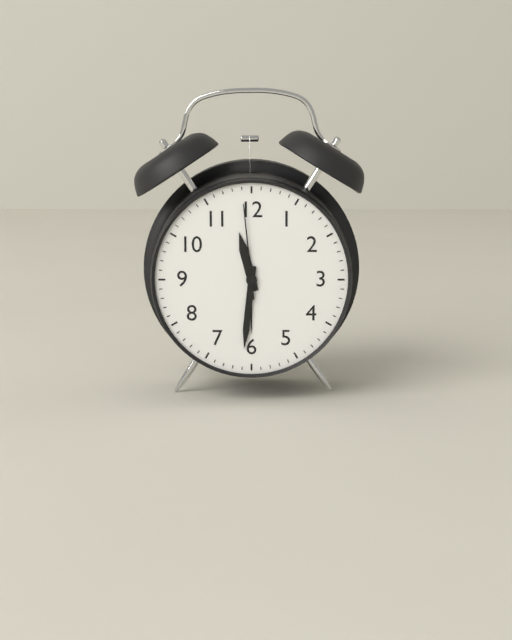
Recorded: 11.31.59
